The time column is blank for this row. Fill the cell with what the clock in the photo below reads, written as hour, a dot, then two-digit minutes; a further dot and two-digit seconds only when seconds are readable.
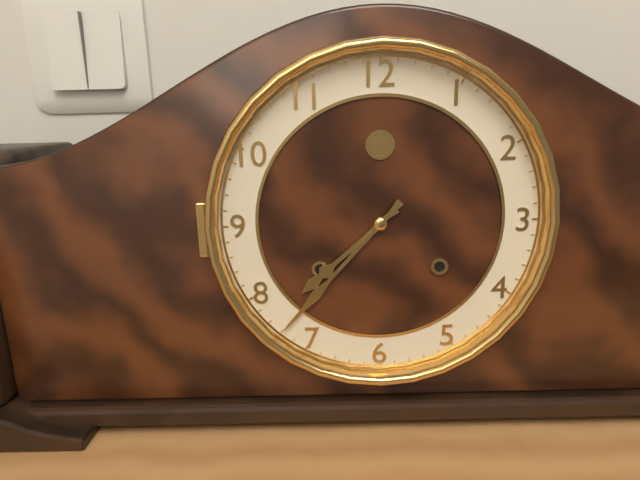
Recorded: 7.37
